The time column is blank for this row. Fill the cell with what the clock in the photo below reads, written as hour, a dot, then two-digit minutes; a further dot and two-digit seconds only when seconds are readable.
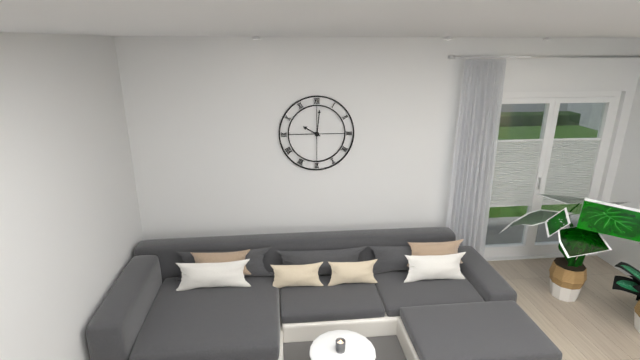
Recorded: 10.01
